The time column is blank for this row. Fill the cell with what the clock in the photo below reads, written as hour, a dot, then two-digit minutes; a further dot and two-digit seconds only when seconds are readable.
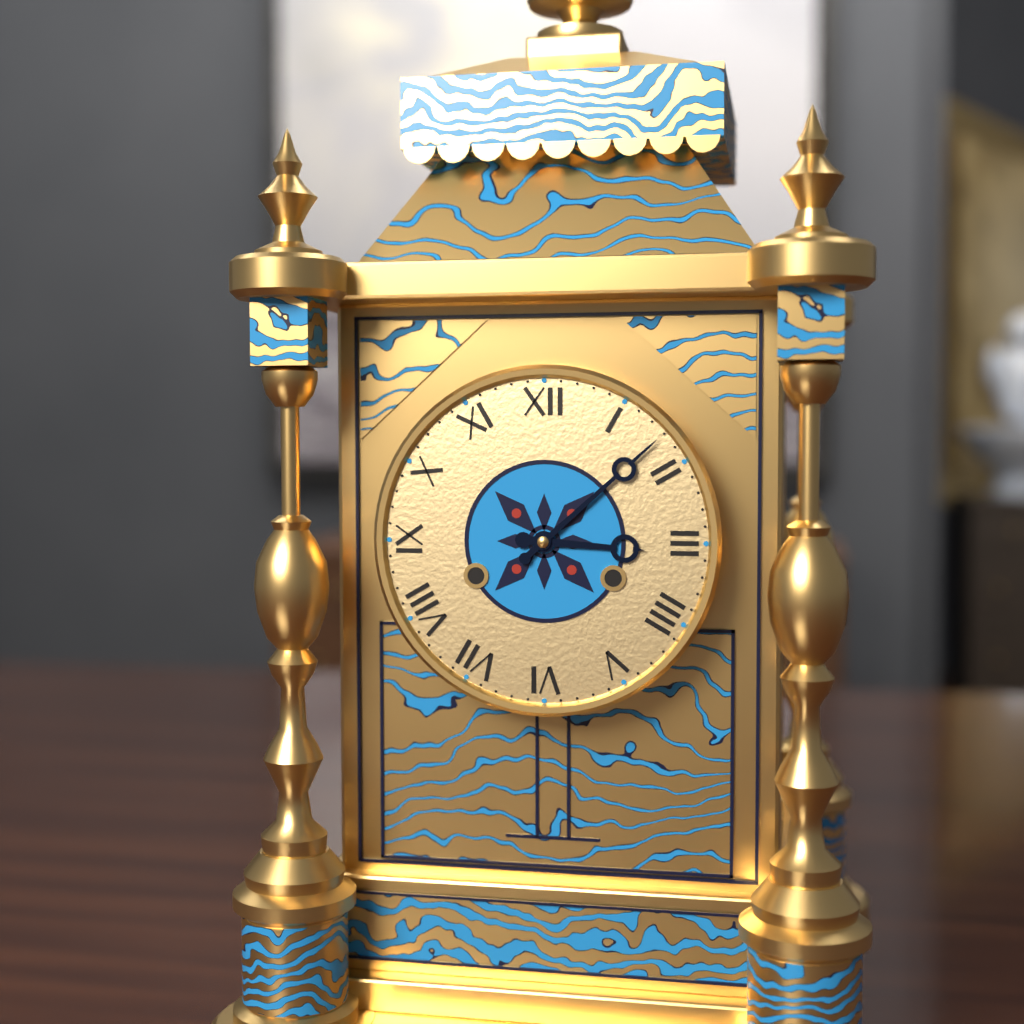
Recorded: 3.08
